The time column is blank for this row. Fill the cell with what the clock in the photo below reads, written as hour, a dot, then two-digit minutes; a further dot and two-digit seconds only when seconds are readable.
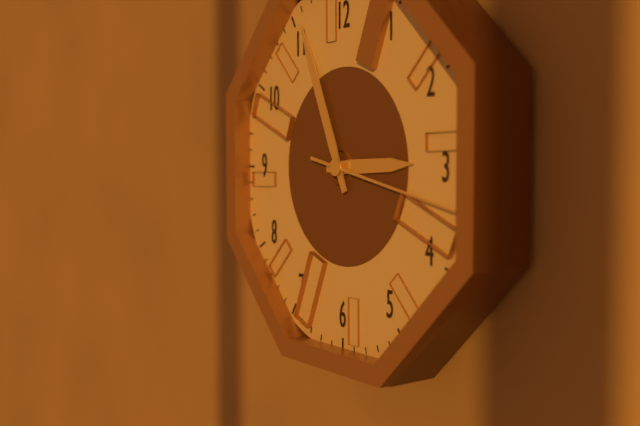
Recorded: 2.56.17
